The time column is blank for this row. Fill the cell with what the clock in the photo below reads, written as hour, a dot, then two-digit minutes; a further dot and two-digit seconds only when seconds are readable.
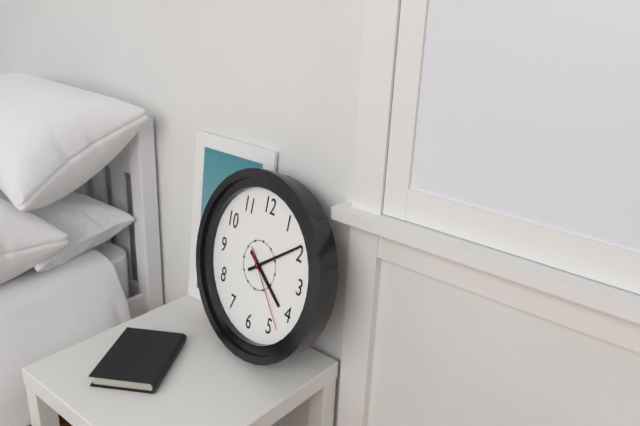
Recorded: 4.09.23
